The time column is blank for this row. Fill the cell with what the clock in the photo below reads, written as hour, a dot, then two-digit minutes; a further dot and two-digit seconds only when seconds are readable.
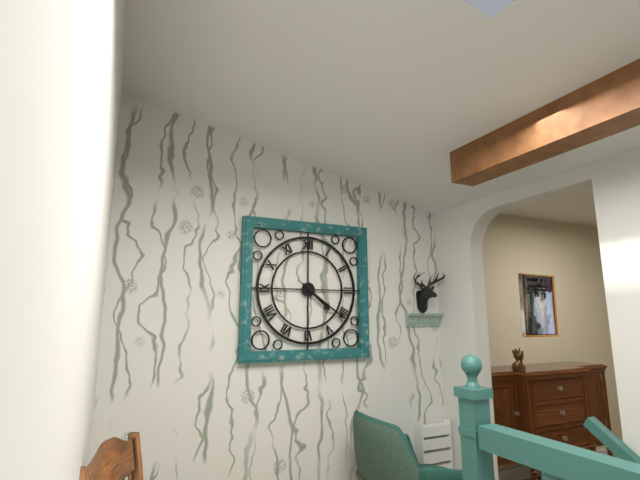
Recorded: 4.21
